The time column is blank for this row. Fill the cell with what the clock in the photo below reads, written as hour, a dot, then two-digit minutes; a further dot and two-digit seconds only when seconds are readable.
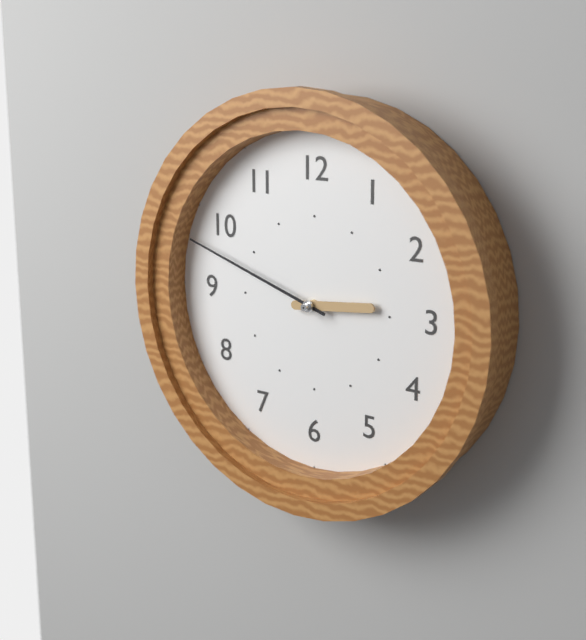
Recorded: 2.48
